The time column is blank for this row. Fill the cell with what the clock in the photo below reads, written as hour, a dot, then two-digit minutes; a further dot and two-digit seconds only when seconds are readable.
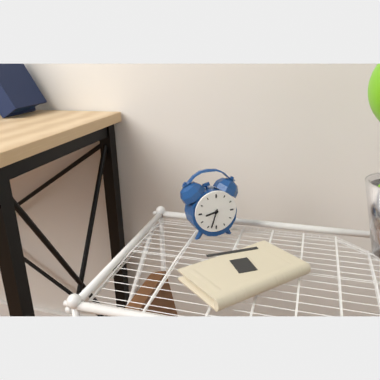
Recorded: 8.33
